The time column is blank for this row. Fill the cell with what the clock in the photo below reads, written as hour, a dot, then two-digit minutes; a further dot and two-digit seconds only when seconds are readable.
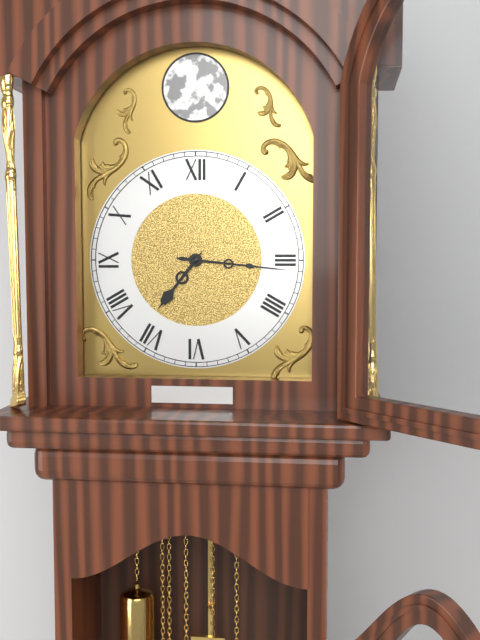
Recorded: 7.16
